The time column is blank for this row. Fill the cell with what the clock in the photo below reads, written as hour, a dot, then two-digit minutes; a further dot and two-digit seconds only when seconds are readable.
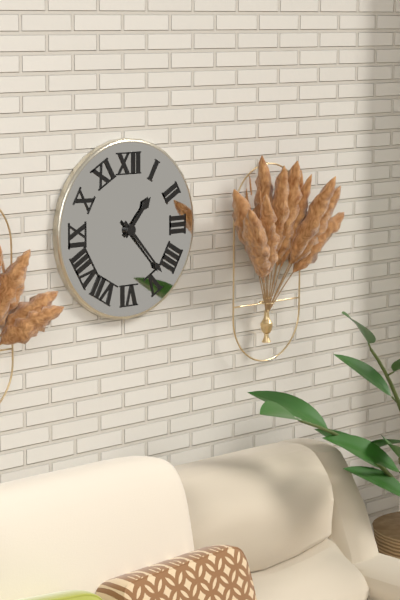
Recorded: 1.23
